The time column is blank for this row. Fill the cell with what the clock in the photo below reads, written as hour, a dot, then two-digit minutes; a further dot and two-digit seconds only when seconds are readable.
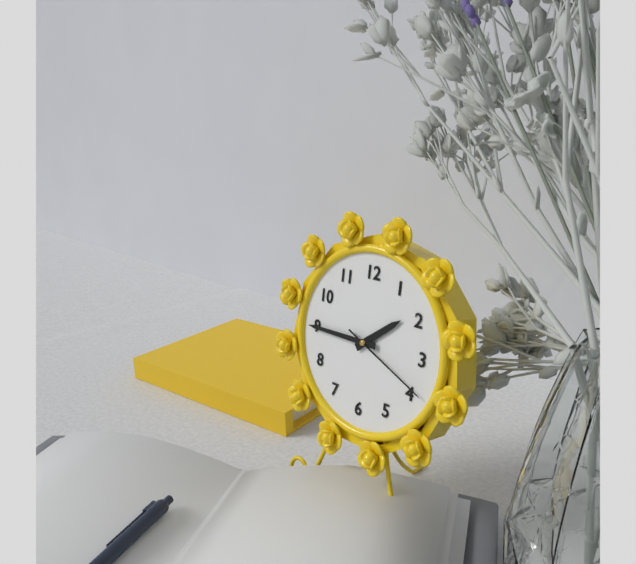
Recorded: 1.45.19
